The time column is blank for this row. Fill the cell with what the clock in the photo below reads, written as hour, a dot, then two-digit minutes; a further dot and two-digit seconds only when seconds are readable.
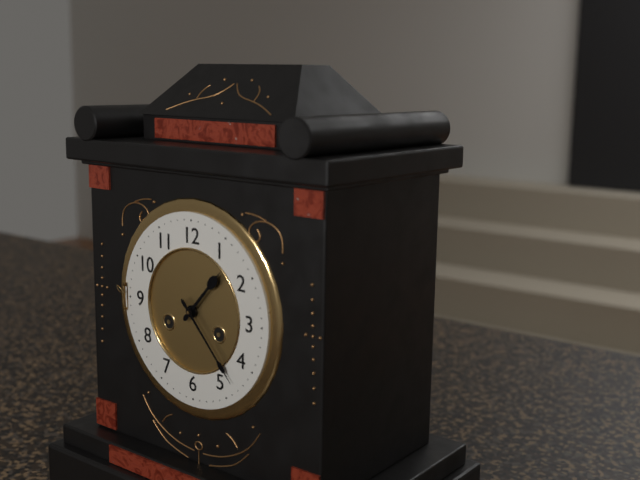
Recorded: 1.23
